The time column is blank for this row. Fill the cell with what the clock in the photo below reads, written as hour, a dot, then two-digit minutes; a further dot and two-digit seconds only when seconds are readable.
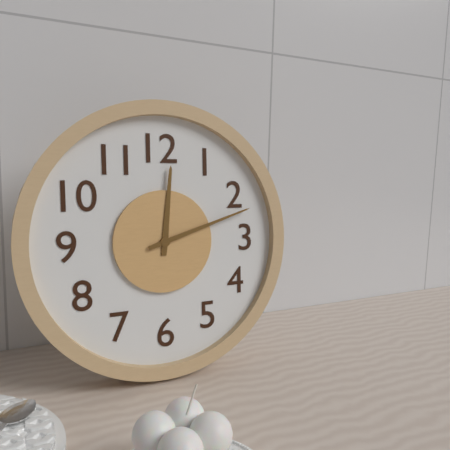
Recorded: 12.12
